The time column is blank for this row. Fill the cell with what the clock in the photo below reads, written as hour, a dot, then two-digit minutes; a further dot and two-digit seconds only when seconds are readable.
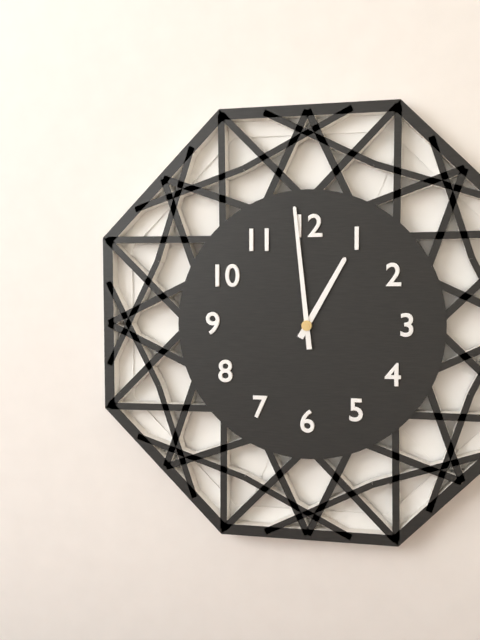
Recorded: 12.59
